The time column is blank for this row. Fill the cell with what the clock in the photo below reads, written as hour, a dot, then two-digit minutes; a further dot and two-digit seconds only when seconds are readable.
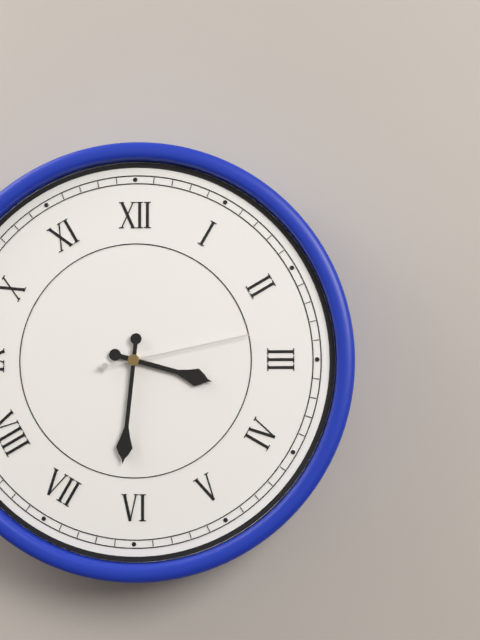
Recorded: 3.31.13
